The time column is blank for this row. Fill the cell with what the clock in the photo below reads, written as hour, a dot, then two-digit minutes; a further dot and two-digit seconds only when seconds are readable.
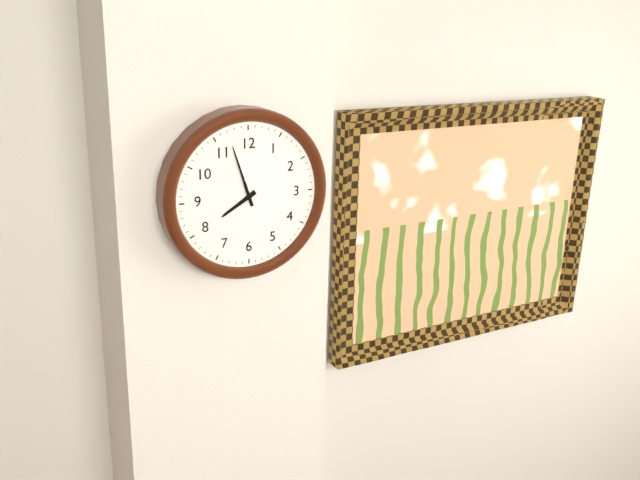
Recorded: 7.57
